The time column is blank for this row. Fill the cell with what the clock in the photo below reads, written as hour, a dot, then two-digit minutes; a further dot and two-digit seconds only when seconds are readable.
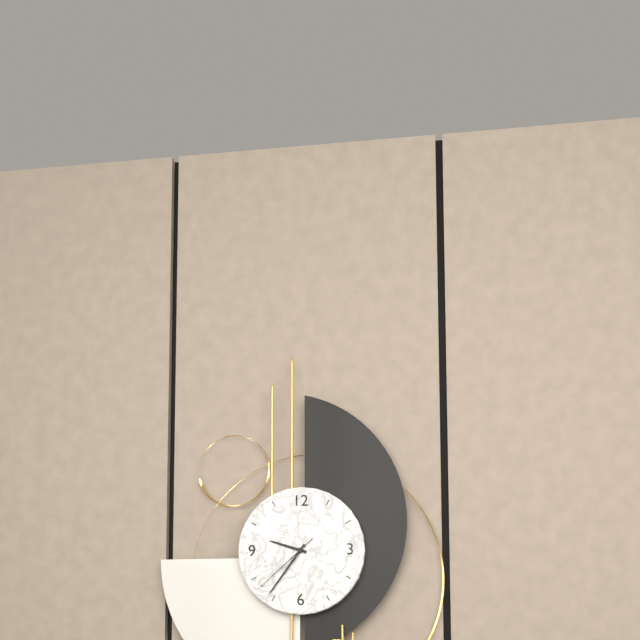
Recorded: 9.36.38
